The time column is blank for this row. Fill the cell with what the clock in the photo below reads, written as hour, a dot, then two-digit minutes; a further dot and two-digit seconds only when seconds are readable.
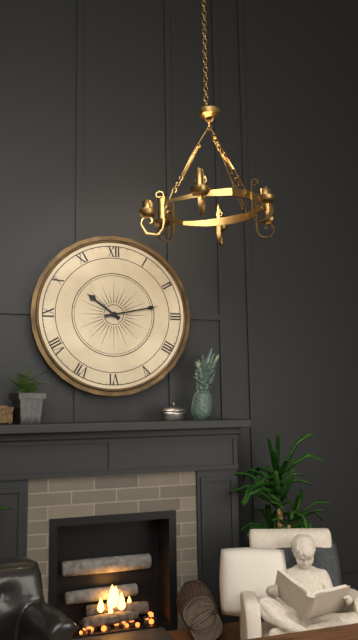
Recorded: 10.13
